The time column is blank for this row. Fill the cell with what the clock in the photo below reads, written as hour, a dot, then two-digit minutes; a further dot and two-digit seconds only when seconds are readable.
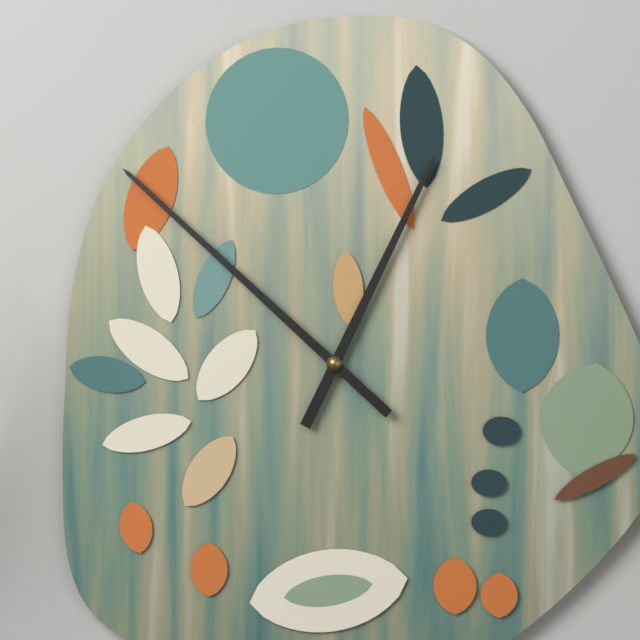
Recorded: 12.52
